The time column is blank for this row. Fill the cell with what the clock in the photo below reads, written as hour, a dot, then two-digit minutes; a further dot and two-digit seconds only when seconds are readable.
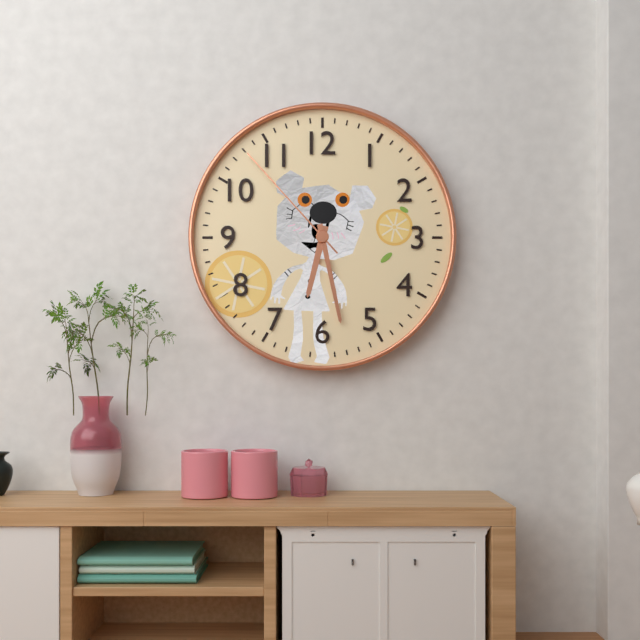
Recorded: 6.28.53
